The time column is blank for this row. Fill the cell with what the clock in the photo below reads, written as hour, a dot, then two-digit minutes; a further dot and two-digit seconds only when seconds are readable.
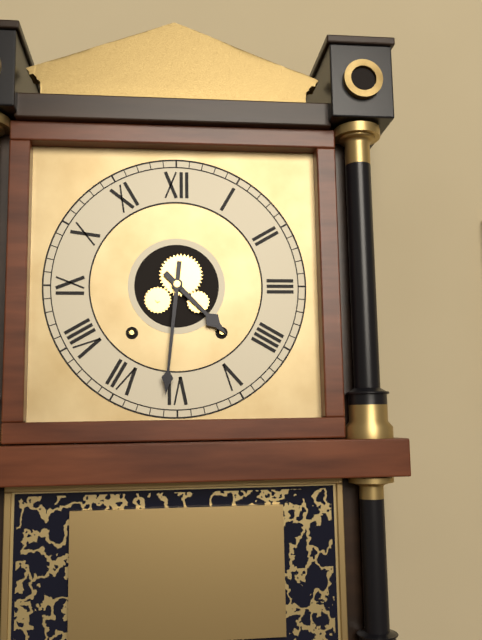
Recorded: 4.31
